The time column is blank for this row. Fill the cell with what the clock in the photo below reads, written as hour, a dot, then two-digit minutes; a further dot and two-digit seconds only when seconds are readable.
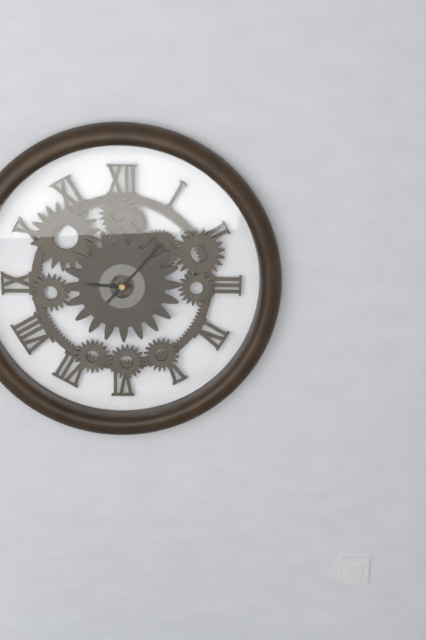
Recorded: 9.07
